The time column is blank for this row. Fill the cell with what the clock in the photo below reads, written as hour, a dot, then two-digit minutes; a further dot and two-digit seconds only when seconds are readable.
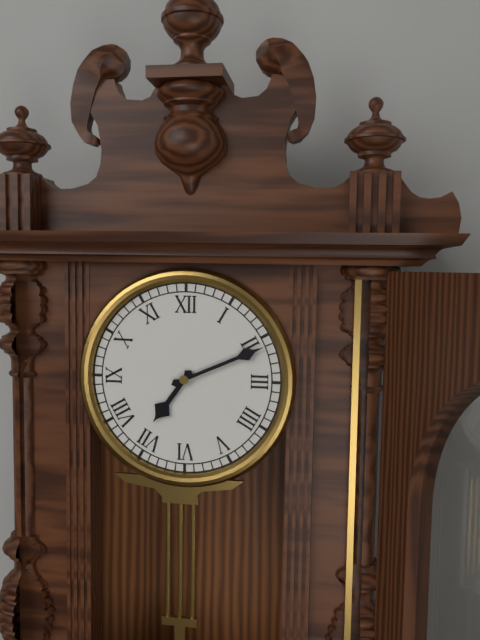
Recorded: 7.11
